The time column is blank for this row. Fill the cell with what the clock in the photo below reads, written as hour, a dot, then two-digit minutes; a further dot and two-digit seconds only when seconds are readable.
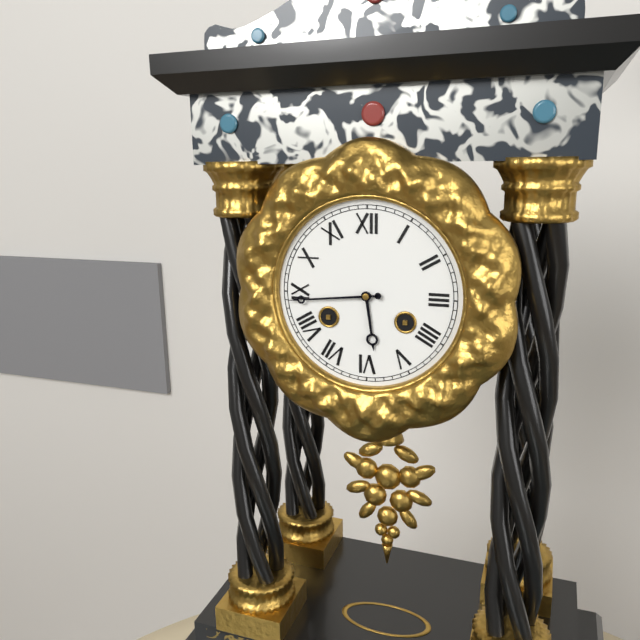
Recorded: 5.44
